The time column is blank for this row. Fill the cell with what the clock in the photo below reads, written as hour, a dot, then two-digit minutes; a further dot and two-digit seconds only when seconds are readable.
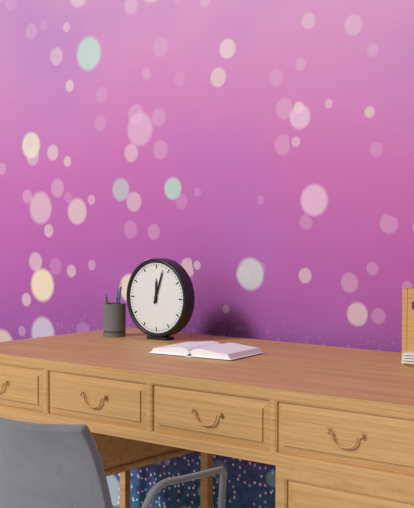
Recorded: 12.03
